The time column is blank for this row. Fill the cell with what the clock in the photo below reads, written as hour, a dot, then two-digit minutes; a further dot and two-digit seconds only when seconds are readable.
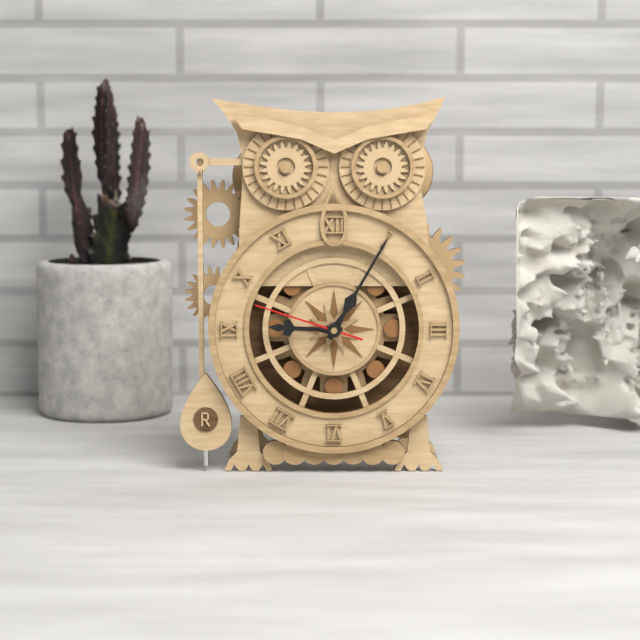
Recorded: 9.05.48
